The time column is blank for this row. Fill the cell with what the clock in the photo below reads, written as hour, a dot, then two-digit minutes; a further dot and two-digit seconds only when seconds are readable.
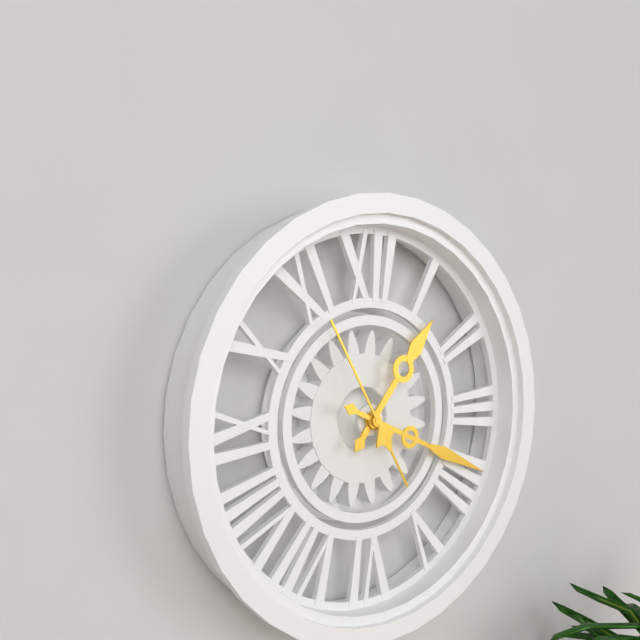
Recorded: 1.19.55
